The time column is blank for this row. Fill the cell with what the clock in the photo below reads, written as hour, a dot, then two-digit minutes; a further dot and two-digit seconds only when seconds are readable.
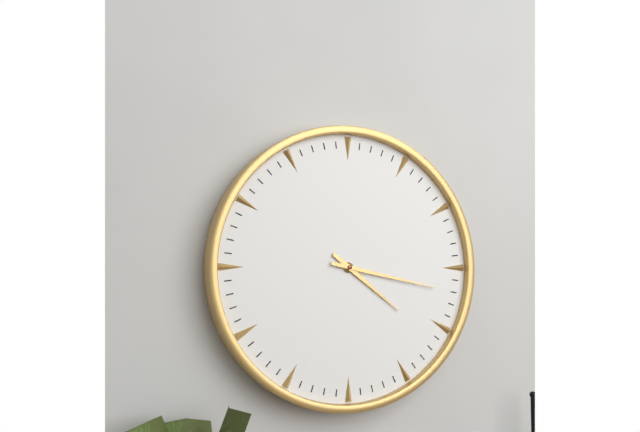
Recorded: 4.17
